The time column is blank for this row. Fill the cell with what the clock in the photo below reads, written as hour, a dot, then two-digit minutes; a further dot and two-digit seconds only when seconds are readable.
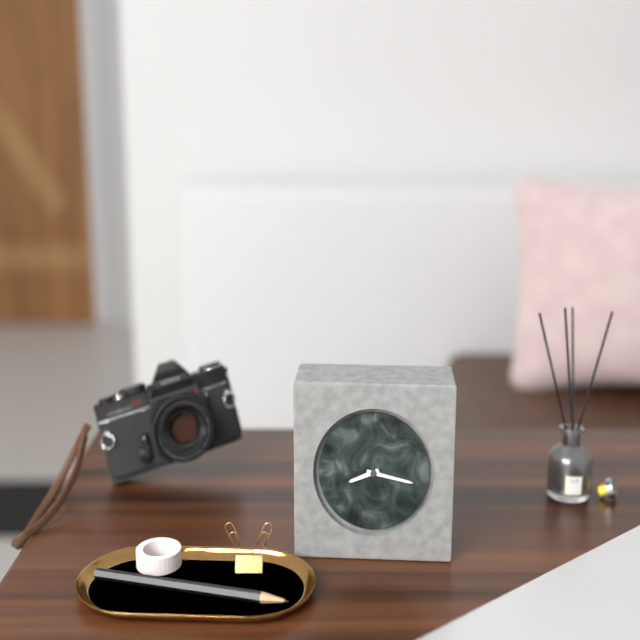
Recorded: 8.17
